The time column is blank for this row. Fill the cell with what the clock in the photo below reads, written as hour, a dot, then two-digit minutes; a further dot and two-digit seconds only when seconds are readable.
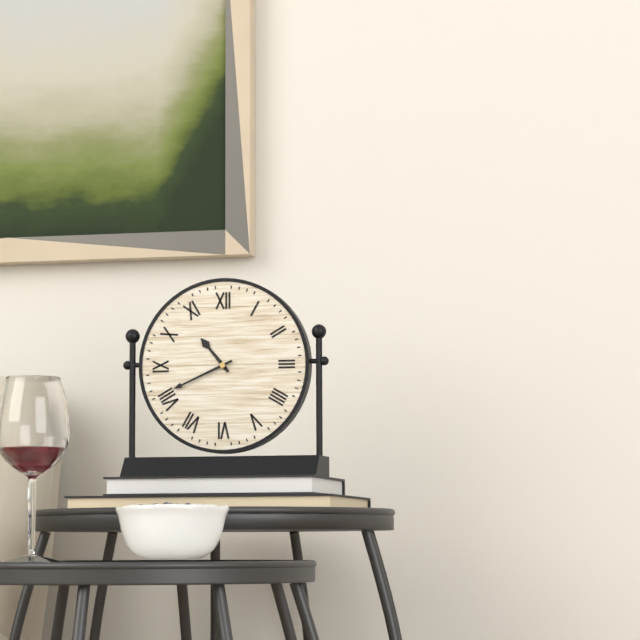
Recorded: 10.41
